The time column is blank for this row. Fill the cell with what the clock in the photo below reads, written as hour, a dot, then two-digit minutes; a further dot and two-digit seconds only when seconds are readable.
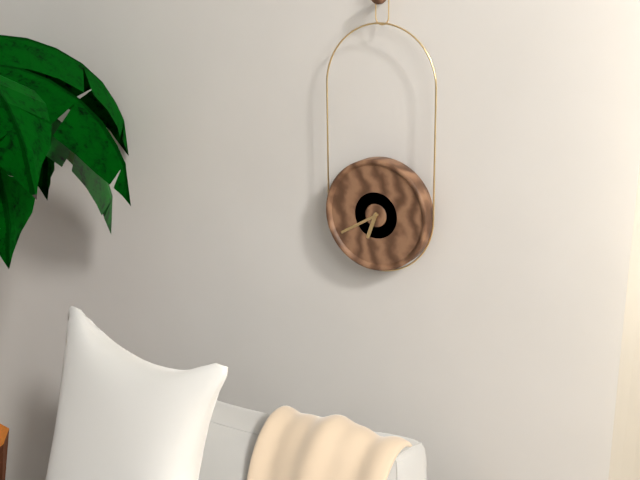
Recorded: 6.40
